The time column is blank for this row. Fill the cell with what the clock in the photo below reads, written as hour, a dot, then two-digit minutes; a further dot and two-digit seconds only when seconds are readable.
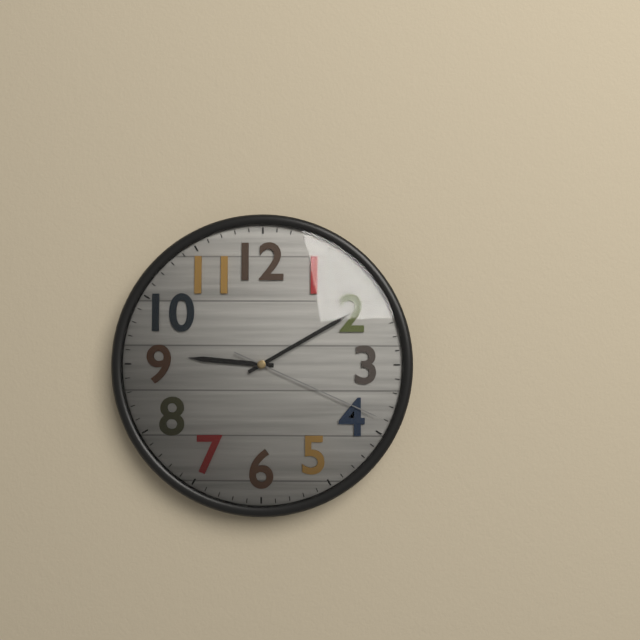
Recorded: 9.10.19
